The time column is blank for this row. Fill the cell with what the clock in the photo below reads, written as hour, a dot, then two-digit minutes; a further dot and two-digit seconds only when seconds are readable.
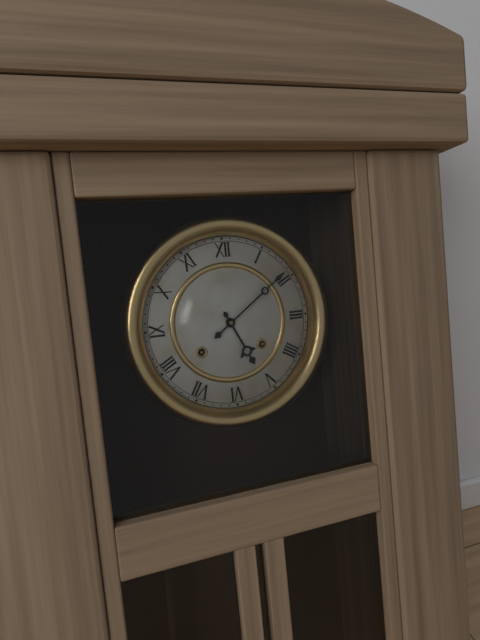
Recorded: 5.09
